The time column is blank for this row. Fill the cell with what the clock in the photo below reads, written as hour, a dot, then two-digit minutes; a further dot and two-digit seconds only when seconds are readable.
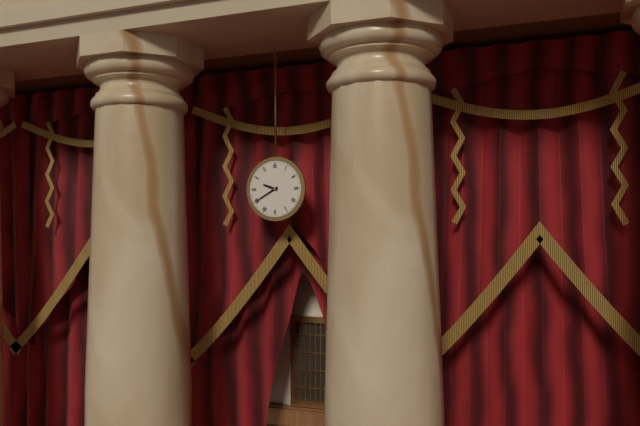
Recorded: 9.40
